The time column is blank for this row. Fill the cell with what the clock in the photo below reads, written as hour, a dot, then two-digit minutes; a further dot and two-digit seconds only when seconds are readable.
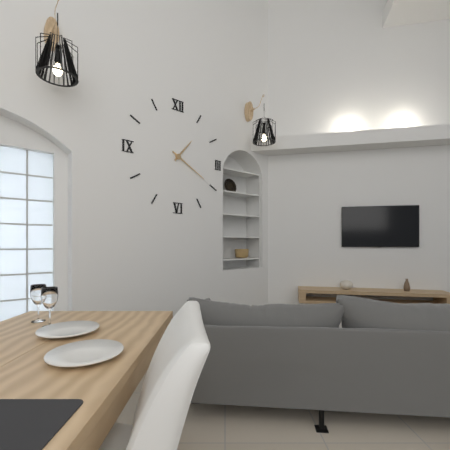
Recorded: 1.20
